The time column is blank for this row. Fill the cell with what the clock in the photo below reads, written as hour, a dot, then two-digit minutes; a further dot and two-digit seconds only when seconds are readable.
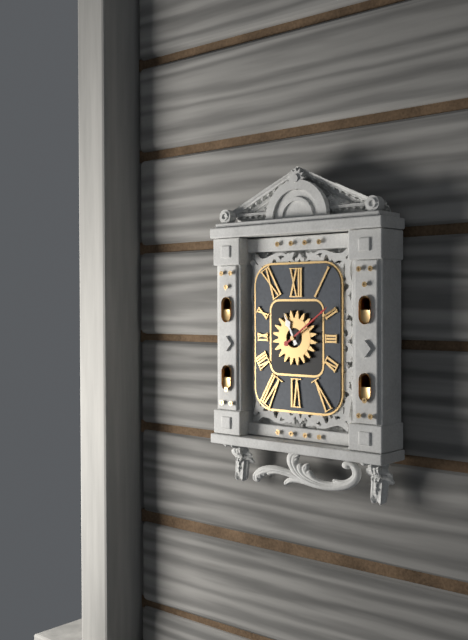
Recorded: 11.09
